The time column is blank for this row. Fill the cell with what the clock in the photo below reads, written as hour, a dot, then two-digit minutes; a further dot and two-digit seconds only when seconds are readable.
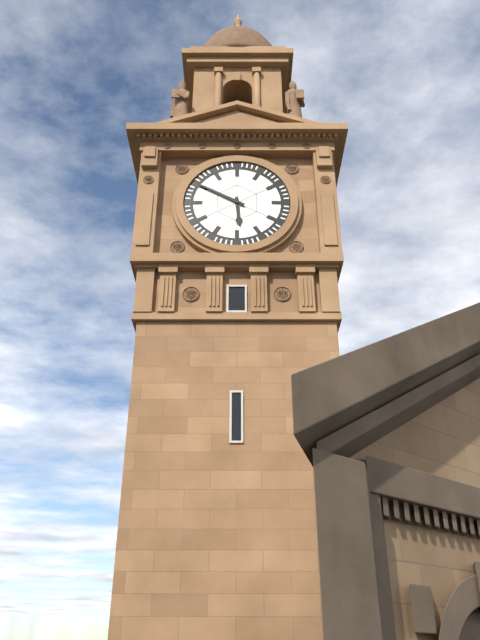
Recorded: 5.50
